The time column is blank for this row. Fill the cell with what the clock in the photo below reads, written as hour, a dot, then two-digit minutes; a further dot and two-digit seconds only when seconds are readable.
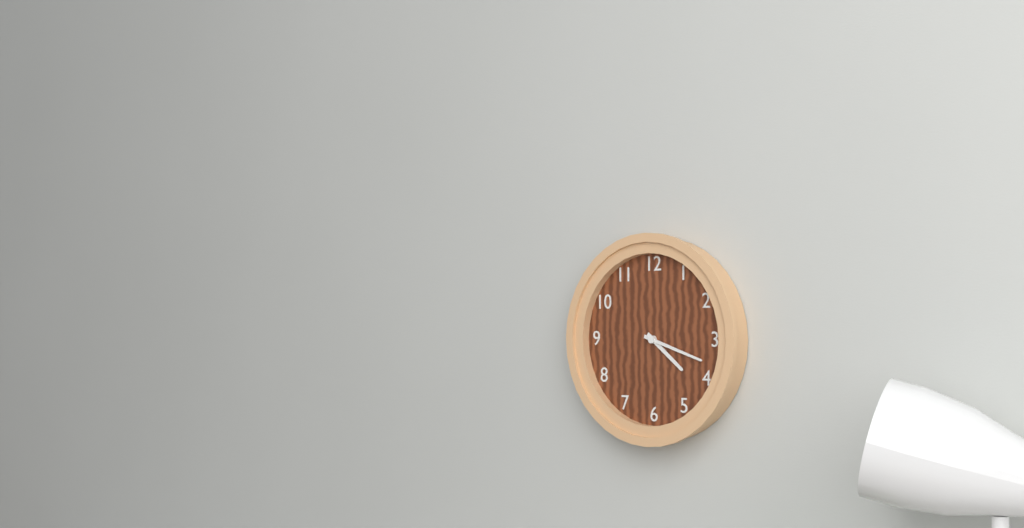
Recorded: 4.18
